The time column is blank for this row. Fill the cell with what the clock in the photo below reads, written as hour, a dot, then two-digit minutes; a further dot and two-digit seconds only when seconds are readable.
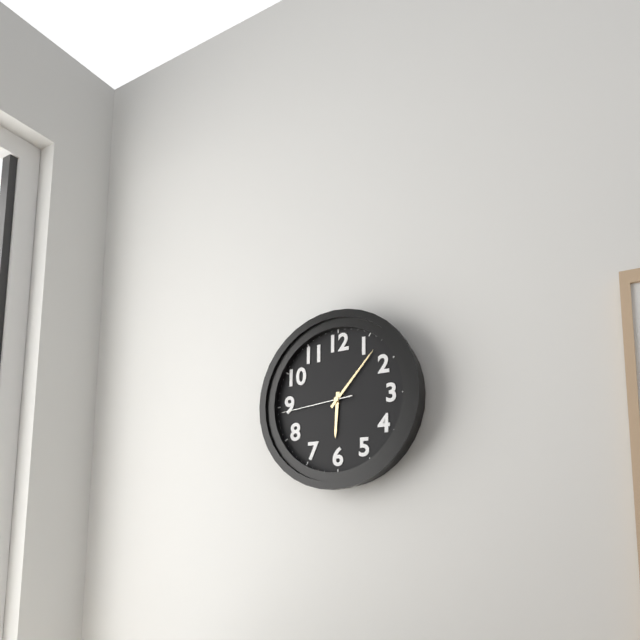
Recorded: 6.07.44
